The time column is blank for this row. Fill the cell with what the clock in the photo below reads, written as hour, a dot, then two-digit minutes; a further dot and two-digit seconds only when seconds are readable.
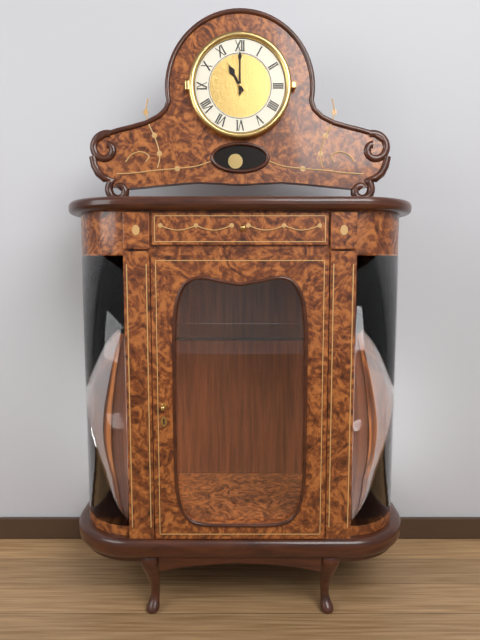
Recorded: 11.00
